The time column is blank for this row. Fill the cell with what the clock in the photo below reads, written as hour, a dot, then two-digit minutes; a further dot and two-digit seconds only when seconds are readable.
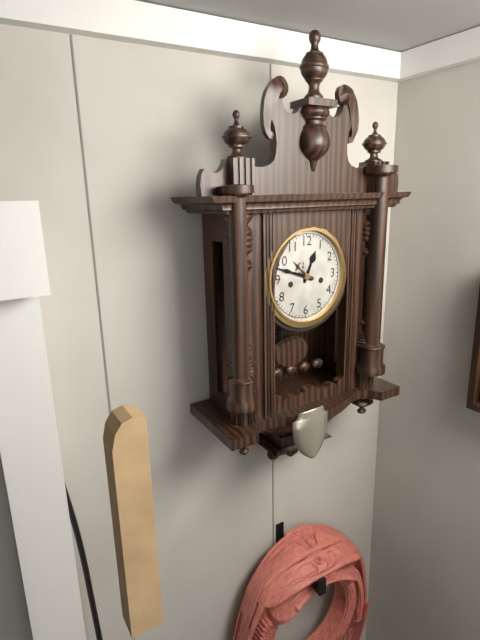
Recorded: 12.48
